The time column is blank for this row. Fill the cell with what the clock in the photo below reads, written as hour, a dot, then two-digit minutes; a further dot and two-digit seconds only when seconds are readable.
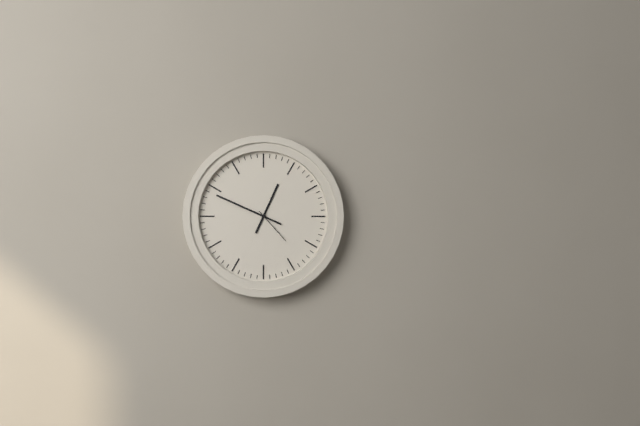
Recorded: 12.49
